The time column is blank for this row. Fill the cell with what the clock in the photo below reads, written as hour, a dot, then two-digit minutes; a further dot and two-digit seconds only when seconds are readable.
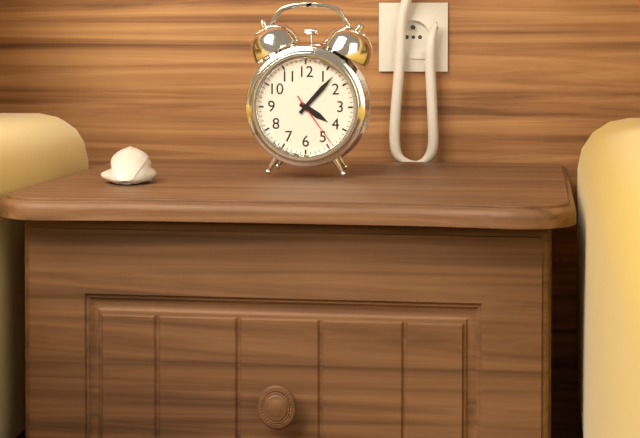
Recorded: 4.07.24
